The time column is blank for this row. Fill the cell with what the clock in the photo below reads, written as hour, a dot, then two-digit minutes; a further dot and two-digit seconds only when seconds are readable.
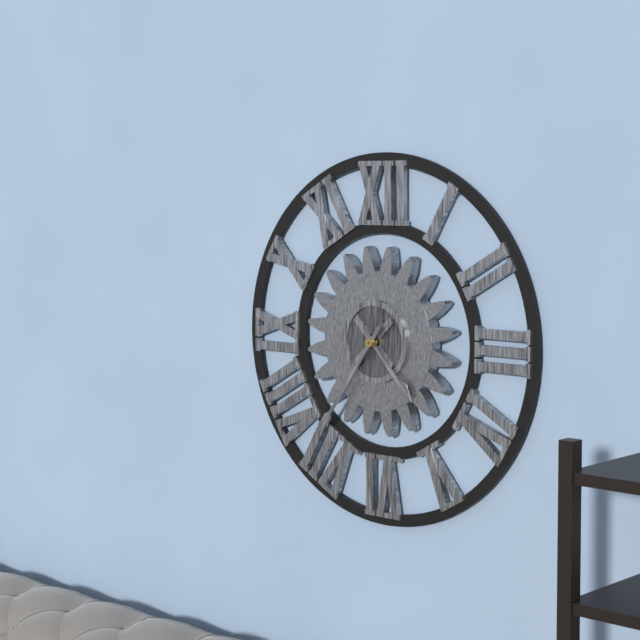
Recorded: 4.36
